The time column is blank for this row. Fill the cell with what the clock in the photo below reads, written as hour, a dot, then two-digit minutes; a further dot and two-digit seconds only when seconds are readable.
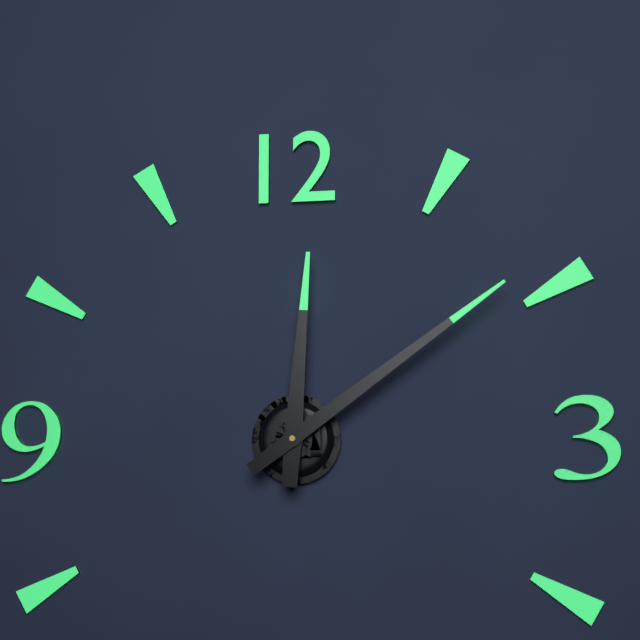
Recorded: 12.09
